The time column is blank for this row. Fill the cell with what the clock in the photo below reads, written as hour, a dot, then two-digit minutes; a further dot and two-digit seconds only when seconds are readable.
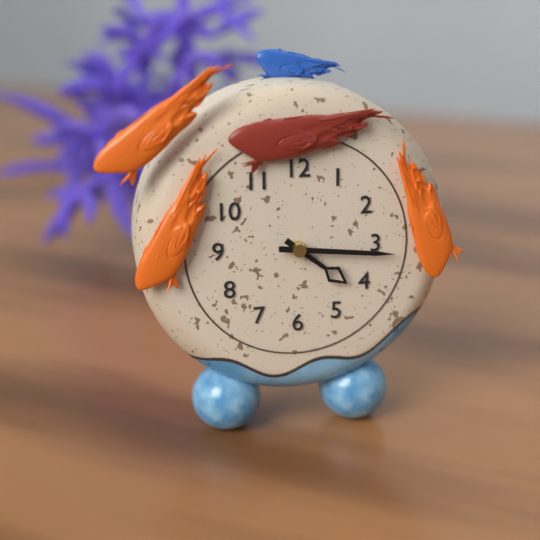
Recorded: 4.16
